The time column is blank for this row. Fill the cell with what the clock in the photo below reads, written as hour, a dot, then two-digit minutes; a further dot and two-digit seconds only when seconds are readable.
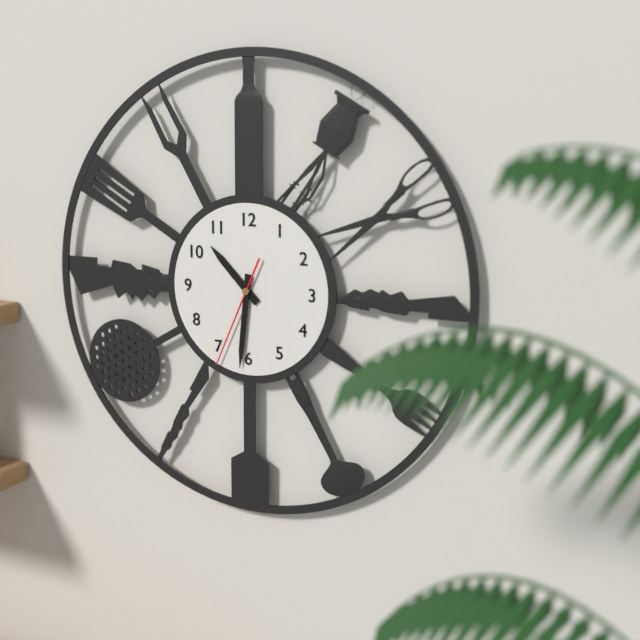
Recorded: 10.31.34
